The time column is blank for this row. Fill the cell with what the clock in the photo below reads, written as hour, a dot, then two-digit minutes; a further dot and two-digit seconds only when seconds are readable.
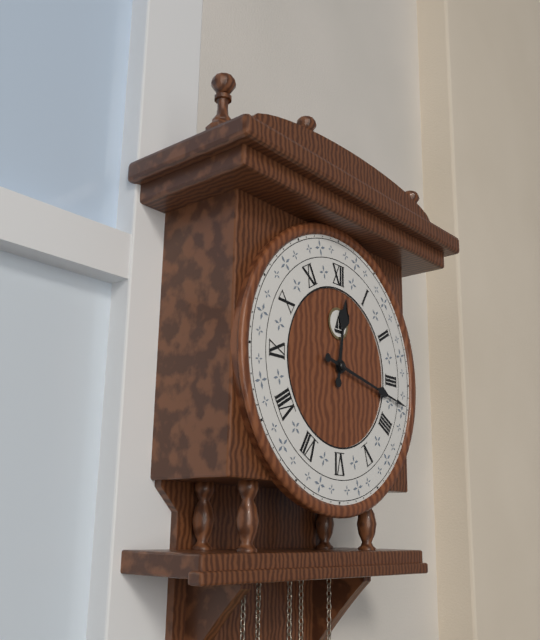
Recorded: 12.17
